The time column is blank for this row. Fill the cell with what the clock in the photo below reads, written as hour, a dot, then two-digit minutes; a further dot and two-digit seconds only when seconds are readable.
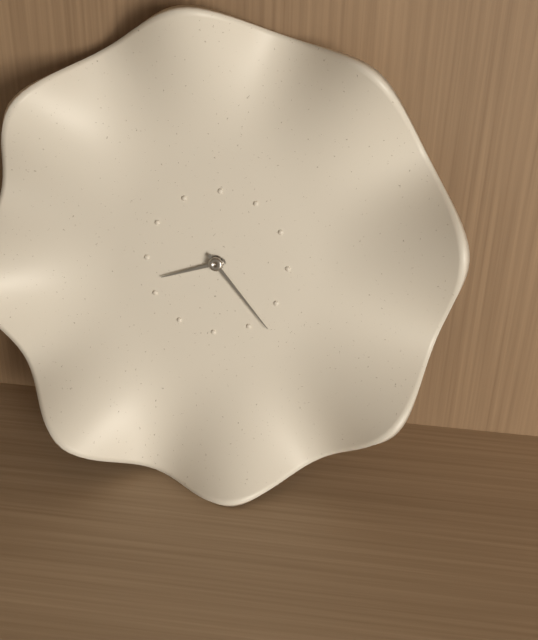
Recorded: 8.23
